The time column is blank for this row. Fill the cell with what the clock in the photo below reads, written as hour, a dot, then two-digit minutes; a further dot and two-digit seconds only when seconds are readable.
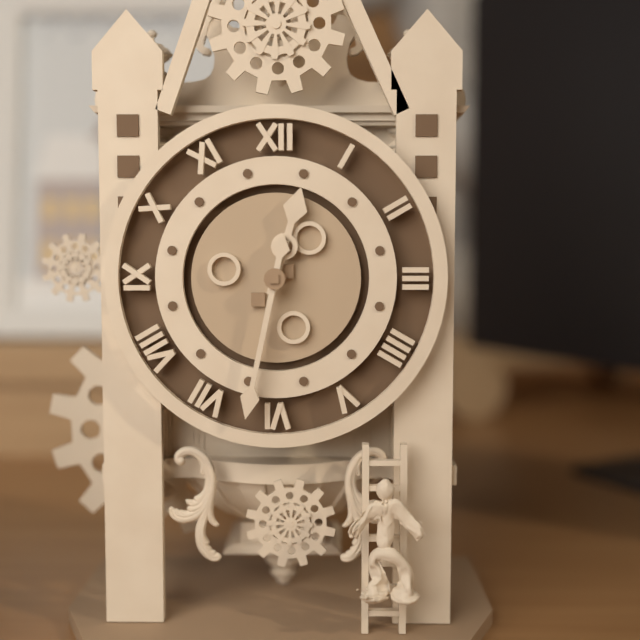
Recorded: 12.32
